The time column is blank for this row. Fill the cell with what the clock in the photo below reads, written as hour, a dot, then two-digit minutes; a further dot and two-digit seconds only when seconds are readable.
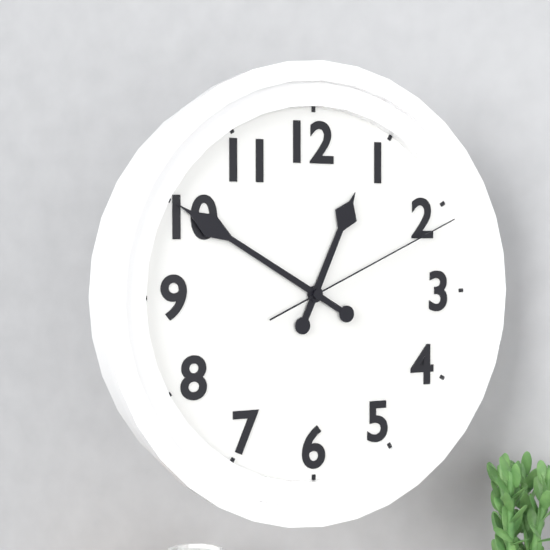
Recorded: 12.50.11
